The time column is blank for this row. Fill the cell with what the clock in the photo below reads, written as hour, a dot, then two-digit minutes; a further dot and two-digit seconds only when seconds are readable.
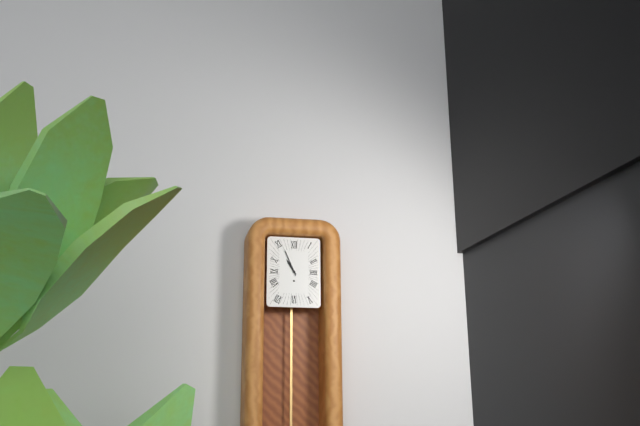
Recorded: 10.56
